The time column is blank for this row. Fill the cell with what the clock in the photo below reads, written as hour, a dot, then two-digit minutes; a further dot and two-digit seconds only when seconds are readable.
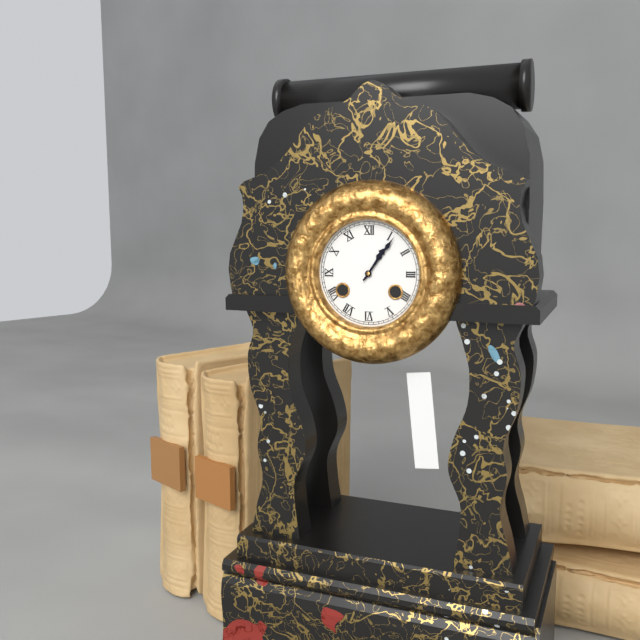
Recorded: 1.06
